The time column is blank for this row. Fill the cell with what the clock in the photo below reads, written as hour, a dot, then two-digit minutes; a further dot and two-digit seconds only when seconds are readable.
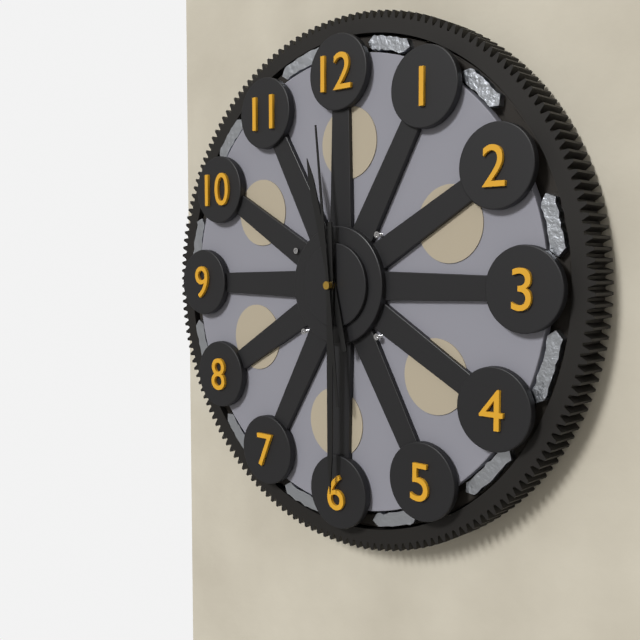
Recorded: 11.30.59
